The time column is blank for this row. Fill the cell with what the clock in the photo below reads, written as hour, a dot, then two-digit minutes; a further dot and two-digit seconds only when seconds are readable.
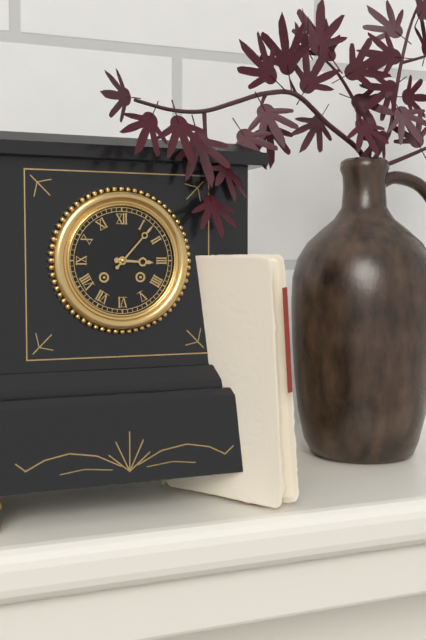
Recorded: 3.07
